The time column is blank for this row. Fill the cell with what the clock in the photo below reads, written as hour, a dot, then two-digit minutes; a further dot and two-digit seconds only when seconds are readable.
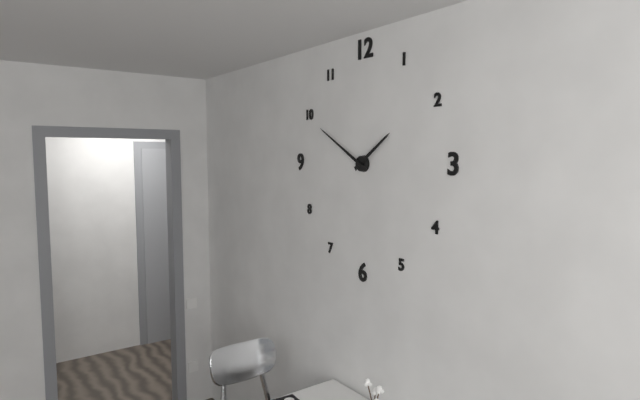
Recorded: 1.50
